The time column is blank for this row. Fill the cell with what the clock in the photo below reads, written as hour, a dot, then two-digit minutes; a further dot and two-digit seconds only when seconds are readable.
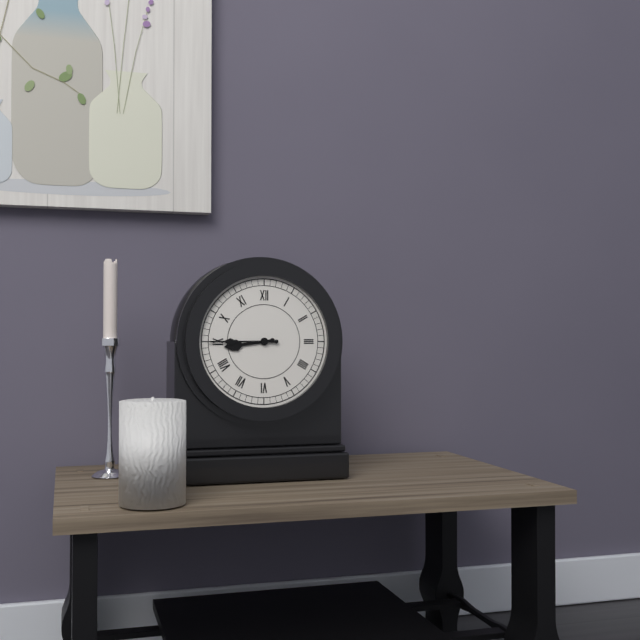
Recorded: 8.45
